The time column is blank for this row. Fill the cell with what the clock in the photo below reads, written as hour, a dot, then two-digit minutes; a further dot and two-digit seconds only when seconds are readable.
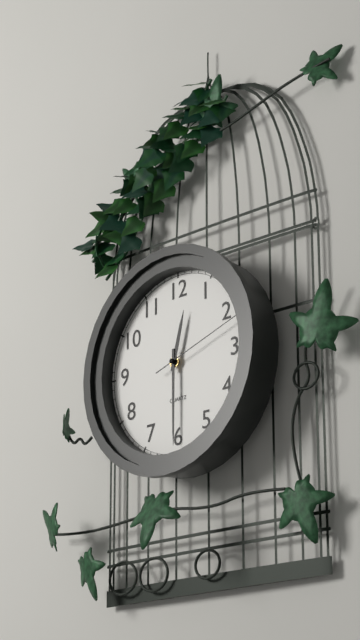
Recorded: 12.30.12
